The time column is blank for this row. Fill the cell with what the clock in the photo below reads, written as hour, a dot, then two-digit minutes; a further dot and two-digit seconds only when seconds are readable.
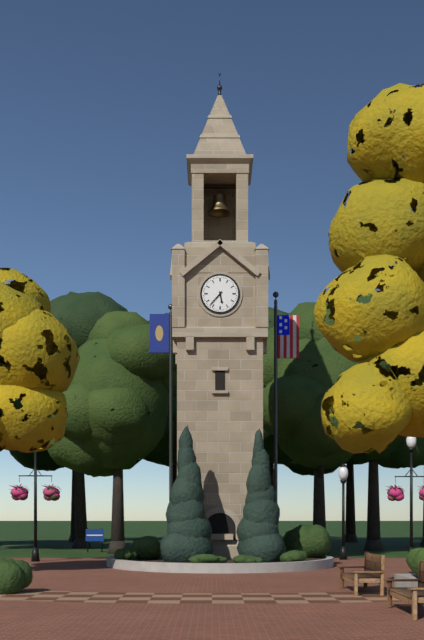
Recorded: 5.37
